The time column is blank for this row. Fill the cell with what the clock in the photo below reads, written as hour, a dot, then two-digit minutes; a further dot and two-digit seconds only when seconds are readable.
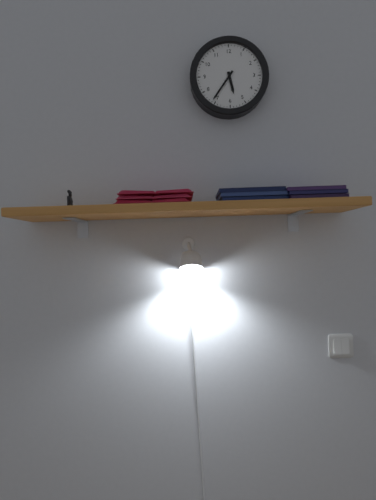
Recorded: 5.36
